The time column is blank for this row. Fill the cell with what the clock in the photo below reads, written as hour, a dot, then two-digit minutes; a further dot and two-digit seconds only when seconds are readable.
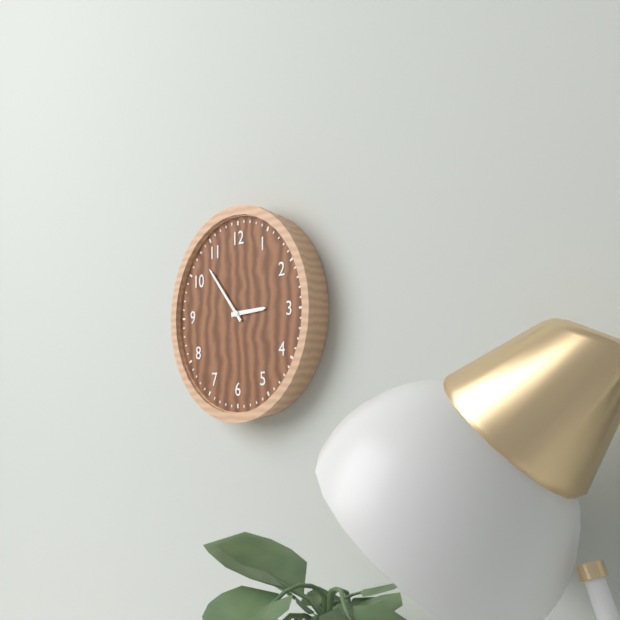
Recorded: 2.53
